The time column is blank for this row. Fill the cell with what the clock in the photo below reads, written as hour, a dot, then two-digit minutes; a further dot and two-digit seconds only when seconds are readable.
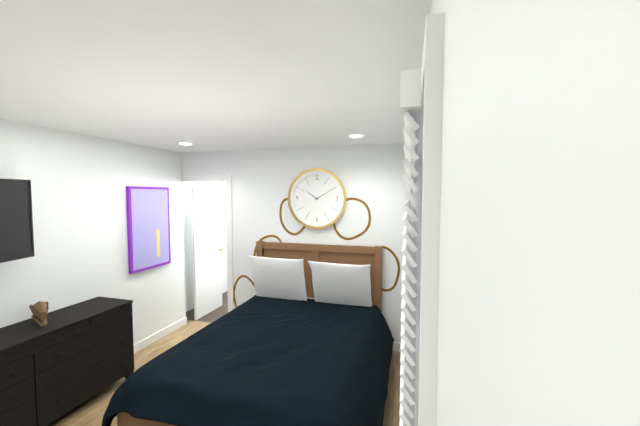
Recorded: 10.10
